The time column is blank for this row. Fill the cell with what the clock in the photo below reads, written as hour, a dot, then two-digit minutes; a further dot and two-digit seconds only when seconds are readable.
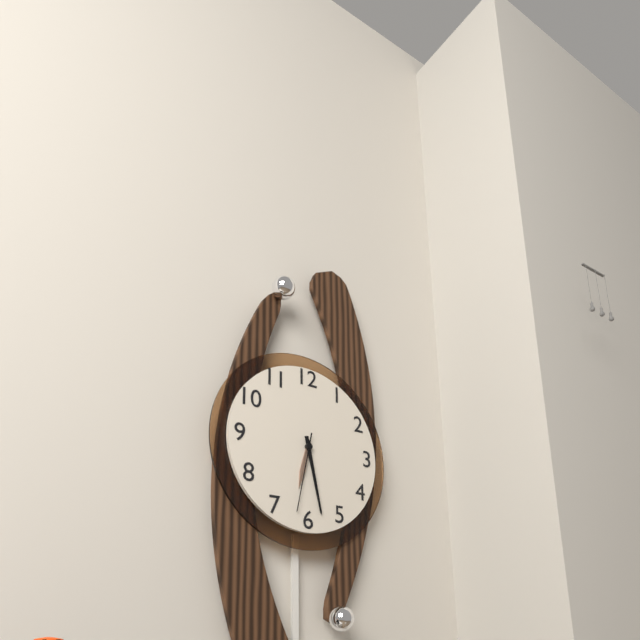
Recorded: 6.28.32
